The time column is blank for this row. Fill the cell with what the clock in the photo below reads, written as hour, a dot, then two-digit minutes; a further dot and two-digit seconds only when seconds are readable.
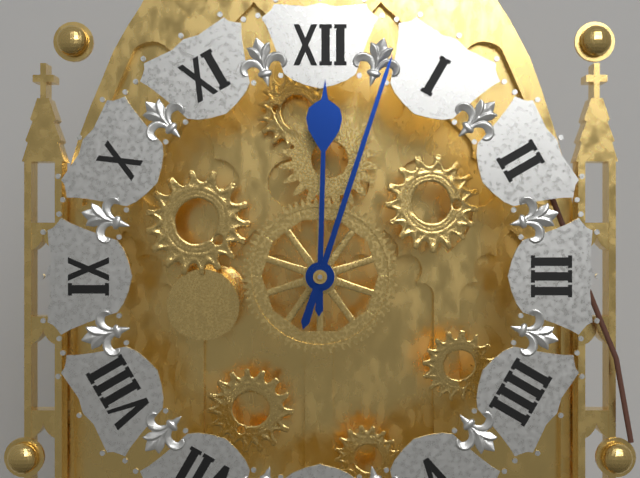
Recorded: 12.03
